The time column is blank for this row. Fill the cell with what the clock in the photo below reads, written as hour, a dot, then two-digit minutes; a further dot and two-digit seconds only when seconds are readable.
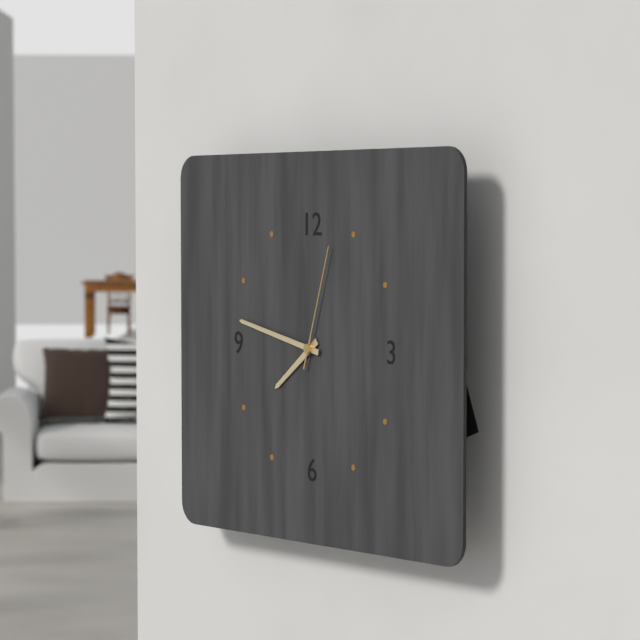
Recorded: 7.47.03
